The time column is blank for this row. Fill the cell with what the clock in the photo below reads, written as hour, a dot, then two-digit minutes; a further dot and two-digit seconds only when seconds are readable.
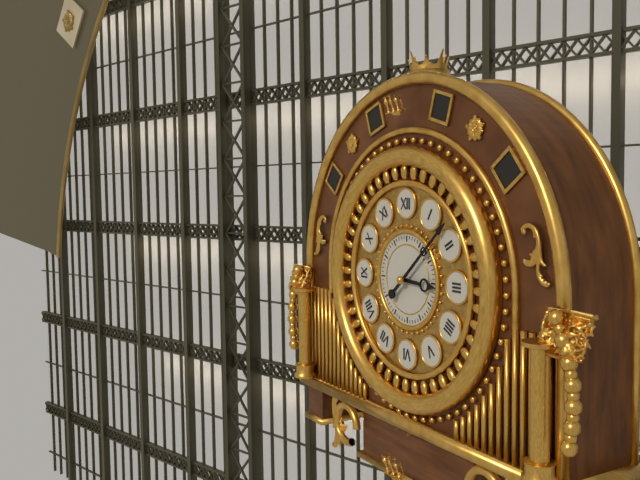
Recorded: 3.08
